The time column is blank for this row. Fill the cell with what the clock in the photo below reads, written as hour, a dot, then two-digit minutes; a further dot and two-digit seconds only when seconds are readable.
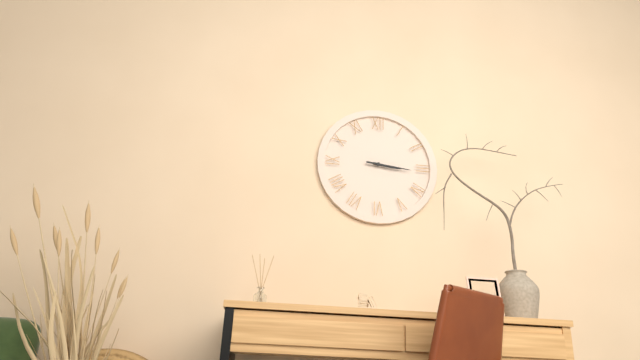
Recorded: 3.16
